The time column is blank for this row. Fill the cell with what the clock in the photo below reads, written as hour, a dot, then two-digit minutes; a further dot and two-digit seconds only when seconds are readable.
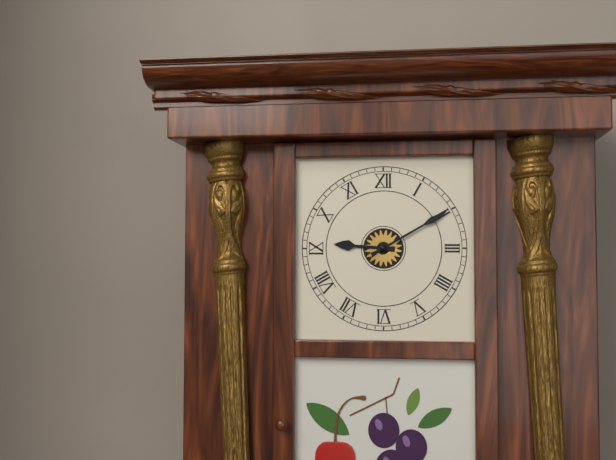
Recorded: 9.10
